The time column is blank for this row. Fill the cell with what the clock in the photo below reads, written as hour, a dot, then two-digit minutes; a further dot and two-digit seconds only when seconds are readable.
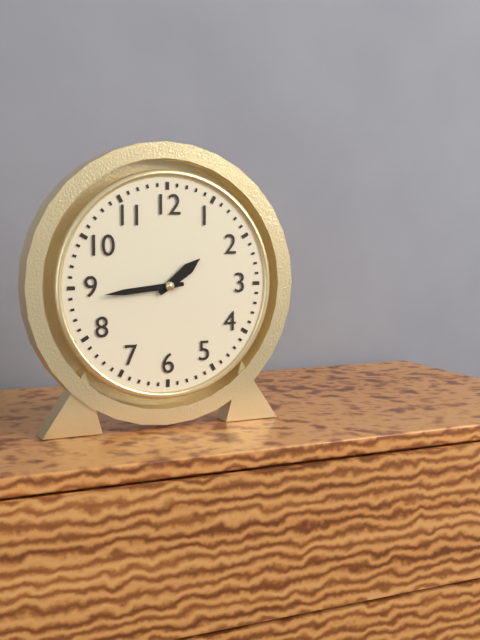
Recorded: 1.44
